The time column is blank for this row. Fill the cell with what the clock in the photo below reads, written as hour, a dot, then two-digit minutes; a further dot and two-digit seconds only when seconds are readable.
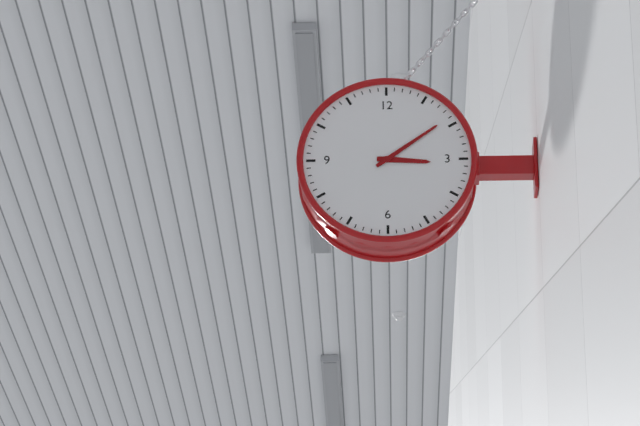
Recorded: 3.09
